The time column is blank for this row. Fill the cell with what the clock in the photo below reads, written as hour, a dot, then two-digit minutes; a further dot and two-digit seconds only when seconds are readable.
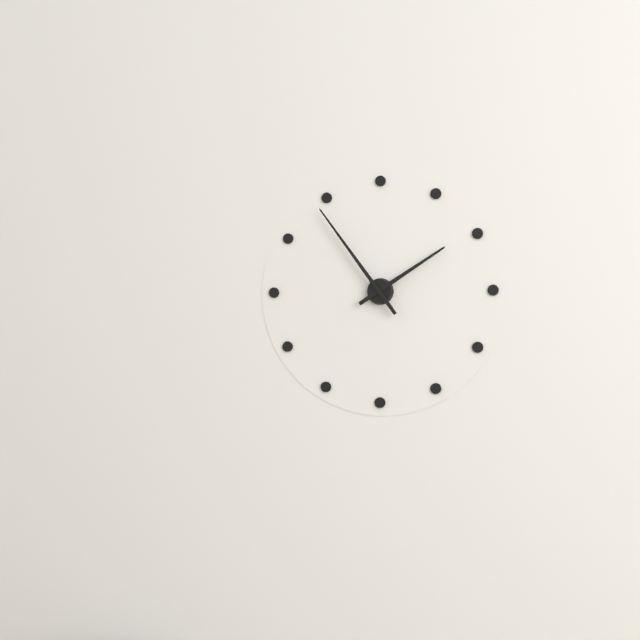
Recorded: 1.54
